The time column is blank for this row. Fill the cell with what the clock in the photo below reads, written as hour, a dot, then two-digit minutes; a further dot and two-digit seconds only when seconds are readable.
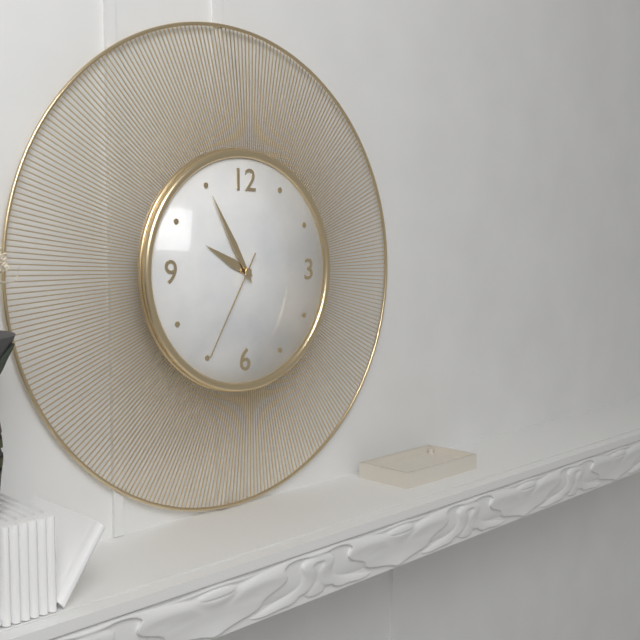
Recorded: 9.55.35
